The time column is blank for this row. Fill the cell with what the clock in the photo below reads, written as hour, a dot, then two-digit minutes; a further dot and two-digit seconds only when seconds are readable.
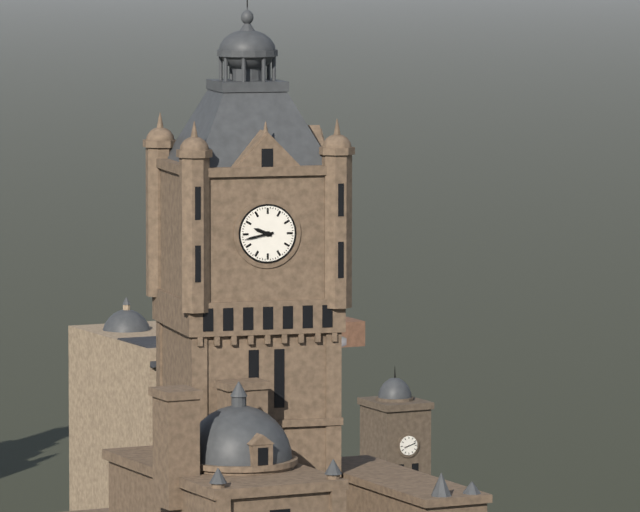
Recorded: 9.43
